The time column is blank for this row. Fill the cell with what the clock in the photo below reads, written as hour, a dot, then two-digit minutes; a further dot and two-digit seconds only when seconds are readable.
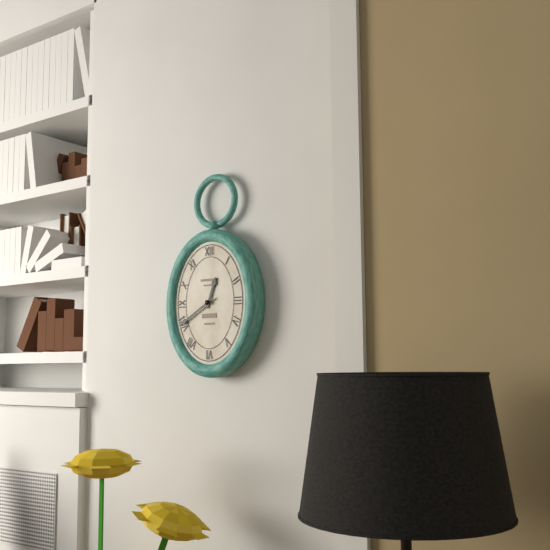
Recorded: 12.40
